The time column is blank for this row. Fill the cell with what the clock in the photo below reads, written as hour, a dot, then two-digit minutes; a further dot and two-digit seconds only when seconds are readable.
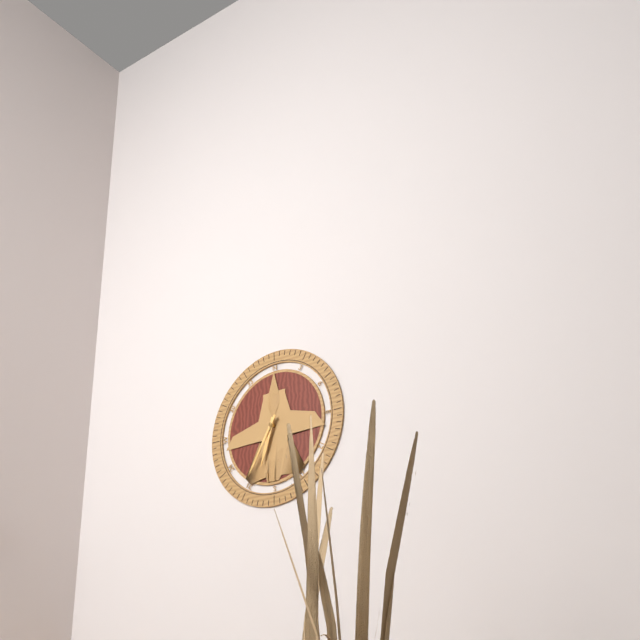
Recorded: 6.35
